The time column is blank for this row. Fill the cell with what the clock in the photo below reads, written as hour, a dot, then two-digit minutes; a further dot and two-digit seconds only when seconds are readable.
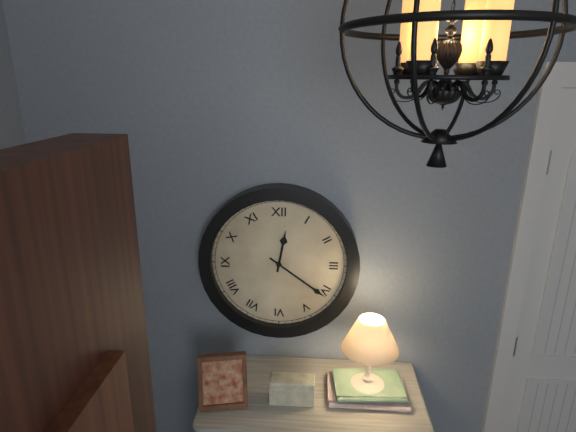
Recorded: 12.21
